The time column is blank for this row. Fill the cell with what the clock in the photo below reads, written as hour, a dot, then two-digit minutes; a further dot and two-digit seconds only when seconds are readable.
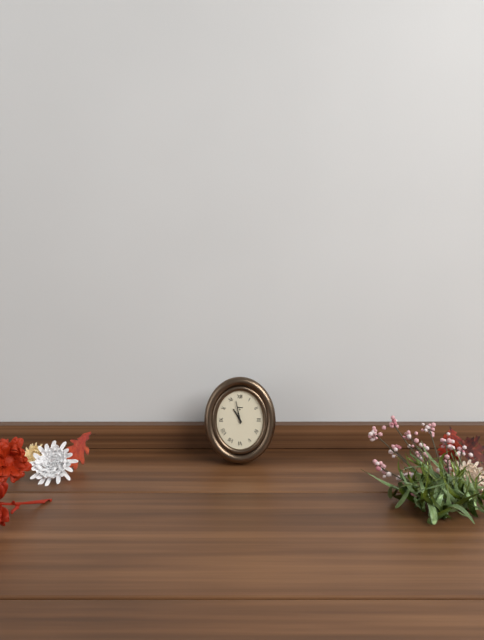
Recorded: 10.58
